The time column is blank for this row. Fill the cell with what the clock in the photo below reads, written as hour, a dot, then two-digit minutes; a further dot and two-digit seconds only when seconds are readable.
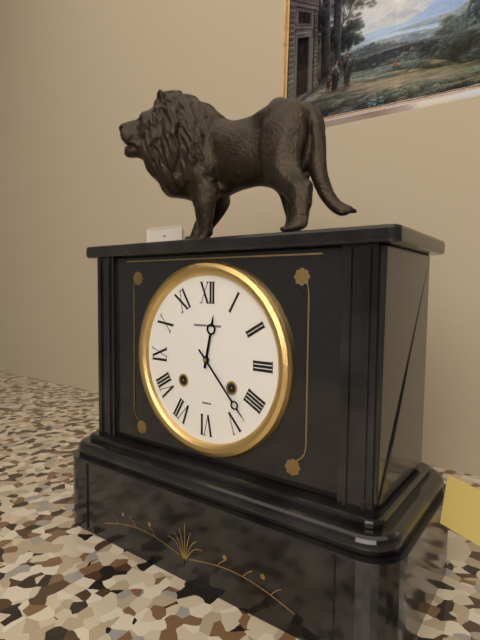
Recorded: 12.23
